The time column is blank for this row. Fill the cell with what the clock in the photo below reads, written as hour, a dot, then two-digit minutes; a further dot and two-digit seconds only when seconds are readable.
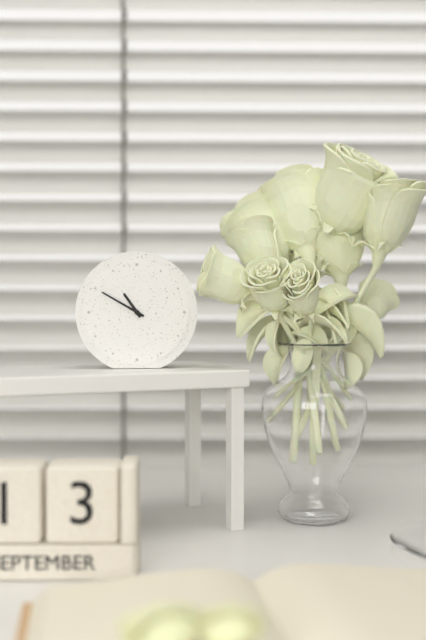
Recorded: 10.50
